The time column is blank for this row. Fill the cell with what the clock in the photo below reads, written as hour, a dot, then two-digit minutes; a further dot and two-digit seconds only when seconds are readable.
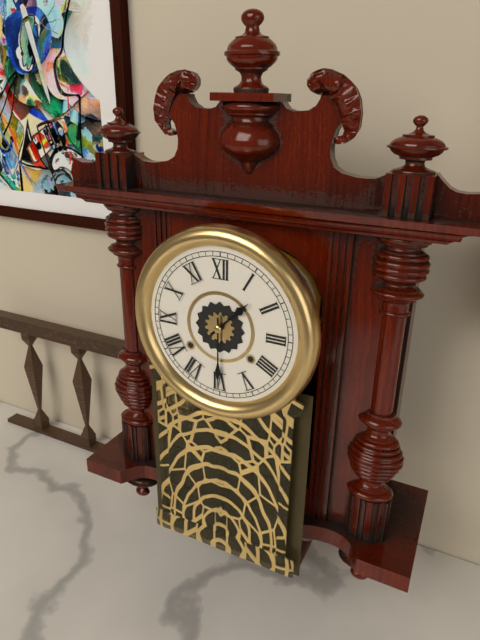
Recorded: 1.30
